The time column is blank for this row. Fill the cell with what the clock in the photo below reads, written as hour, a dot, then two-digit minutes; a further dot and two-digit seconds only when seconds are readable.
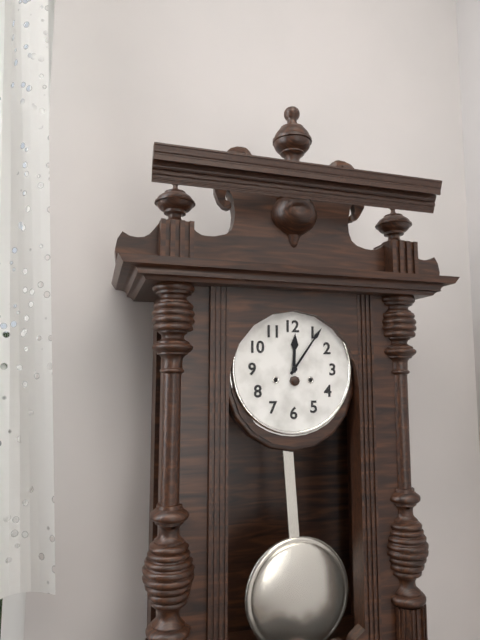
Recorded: 12.06
